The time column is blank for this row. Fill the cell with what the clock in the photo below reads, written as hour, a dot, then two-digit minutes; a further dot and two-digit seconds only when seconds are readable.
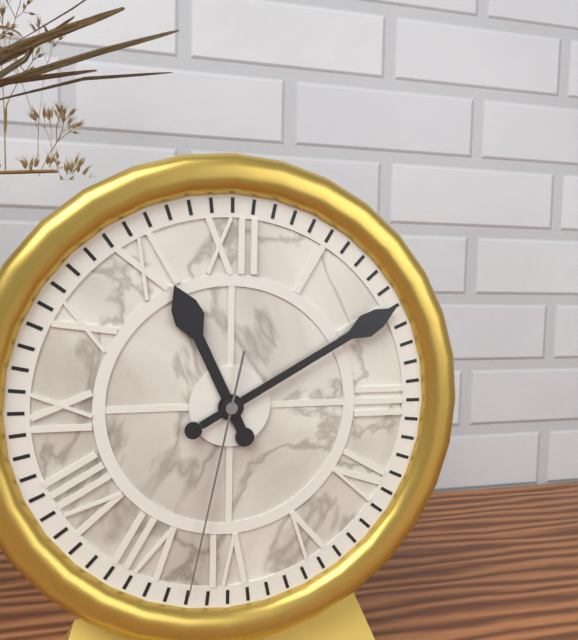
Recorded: 11.10.32
